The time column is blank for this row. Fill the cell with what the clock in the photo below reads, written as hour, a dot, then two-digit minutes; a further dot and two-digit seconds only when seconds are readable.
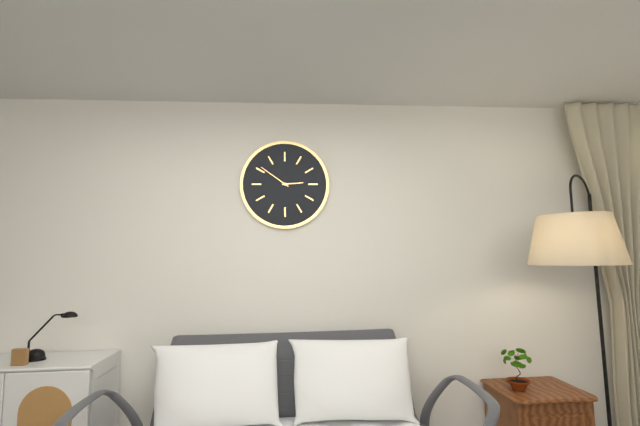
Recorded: 2.51
